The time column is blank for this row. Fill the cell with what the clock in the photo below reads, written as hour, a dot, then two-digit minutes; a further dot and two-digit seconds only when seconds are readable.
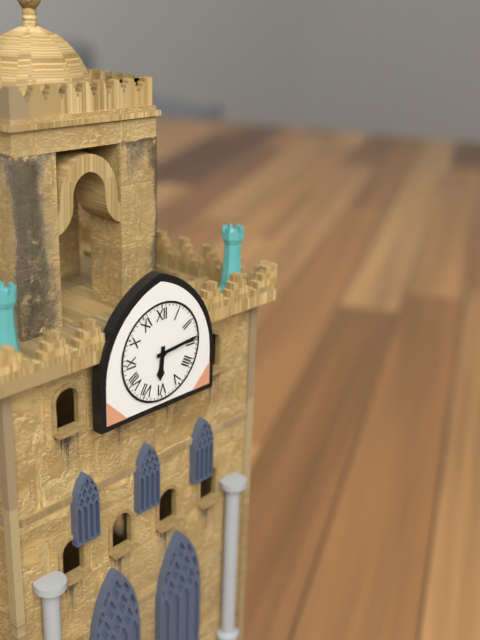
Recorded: 6.14
